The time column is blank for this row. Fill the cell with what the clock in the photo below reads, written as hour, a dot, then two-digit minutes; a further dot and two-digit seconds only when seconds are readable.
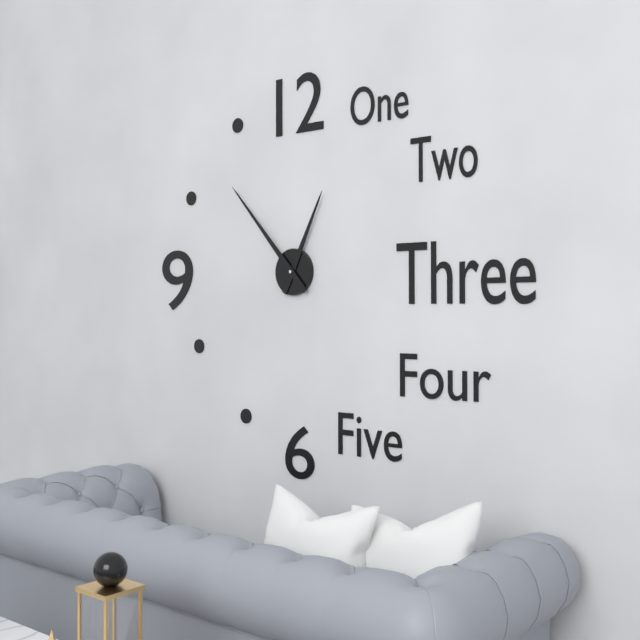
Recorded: 12.53
